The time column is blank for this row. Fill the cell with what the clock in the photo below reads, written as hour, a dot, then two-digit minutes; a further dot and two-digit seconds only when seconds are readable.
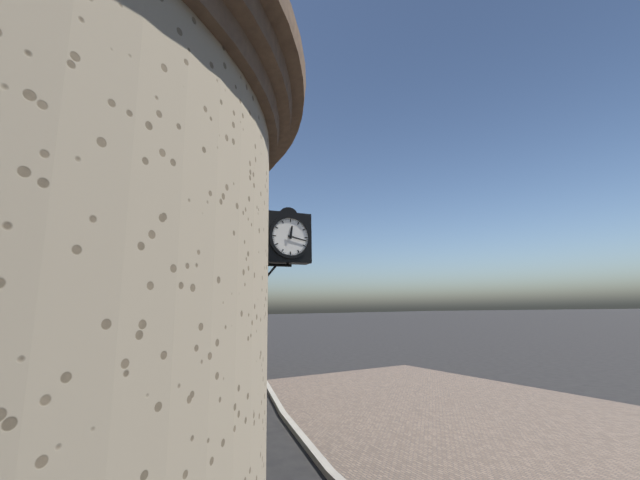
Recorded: 12.17
